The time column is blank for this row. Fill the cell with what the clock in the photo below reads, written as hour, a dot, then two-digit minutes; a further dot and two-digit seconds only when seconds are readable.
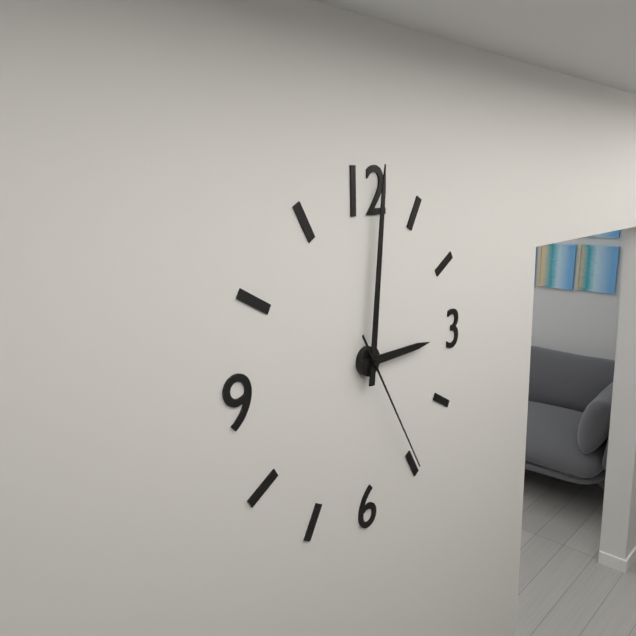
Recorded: 3.01.25
